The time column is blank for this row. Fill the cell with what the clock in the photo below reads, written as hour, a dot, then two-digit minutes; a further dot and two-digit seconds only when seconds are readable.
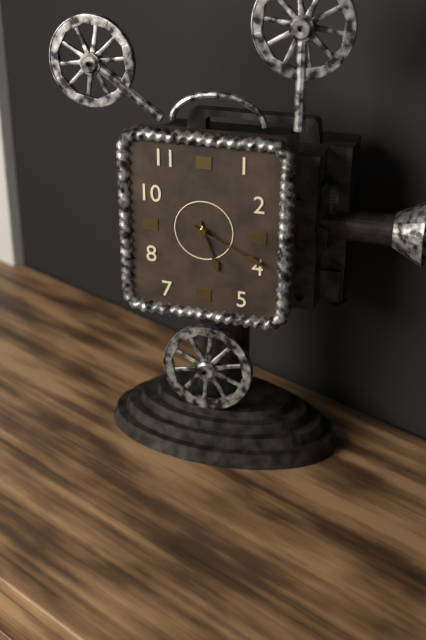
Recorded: 5.19
